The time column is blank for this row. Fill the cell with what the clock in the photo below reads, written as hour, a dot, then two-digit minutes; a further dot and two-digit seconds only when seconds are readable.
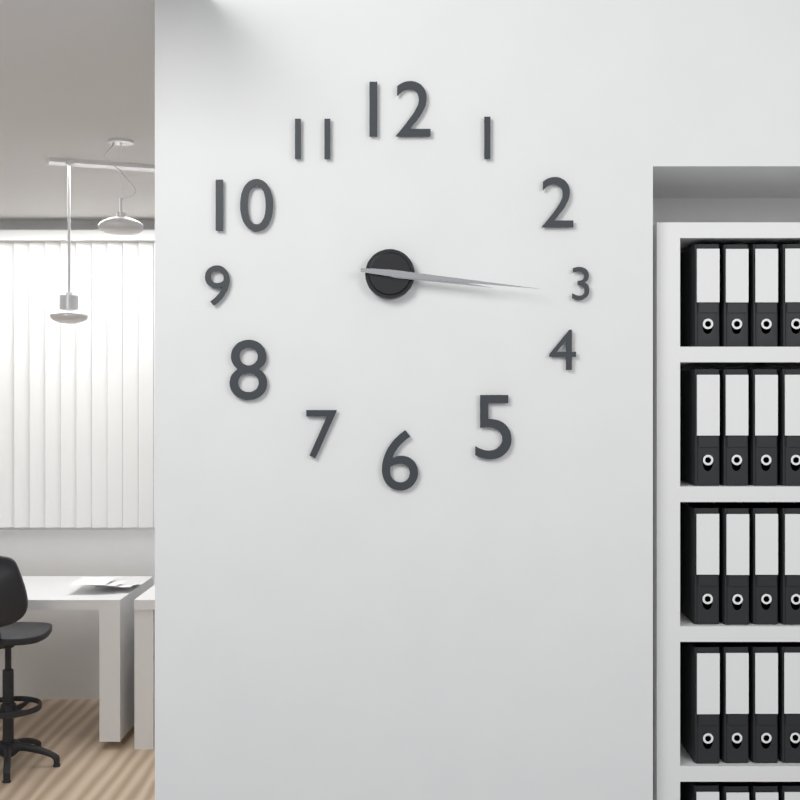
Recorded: 3.16
